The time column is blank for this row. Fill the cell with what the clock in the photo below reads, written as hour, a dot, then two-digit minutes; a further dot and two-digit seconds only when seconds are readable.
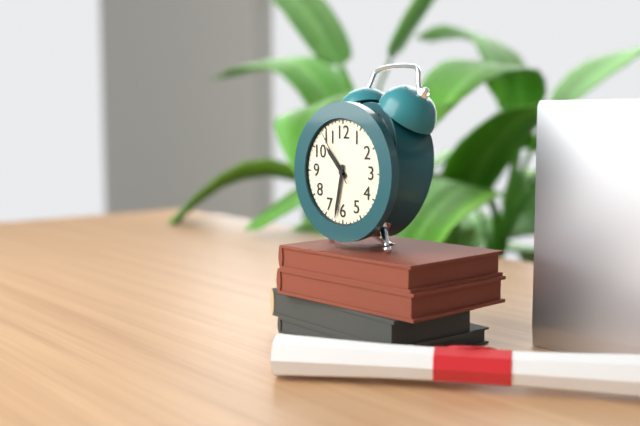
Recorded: 10.32.54
